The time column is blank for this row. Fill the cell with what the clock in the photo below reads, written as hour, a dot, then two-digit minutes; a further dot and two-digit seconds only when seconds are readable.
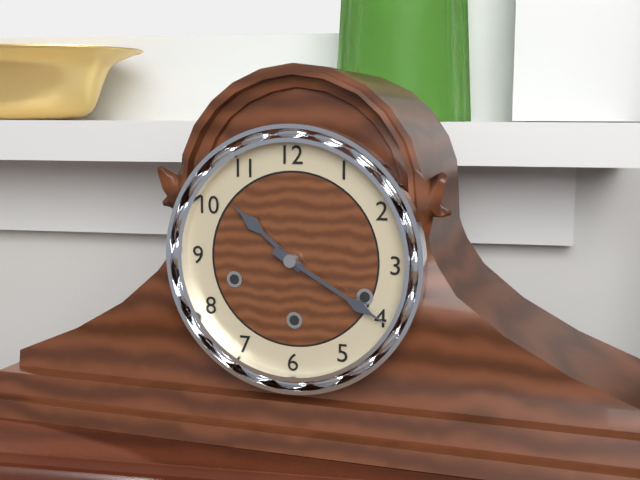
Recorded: 10.20
